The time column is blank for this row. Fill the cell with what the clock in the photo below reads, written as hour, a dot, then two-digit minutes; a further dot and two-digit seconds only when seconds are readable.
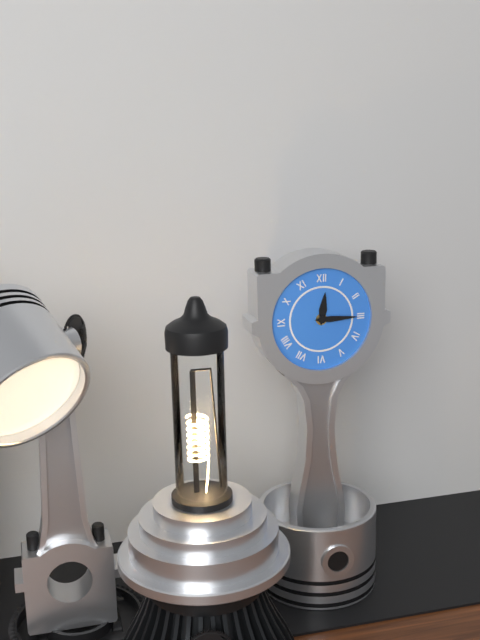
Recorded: 12.15
